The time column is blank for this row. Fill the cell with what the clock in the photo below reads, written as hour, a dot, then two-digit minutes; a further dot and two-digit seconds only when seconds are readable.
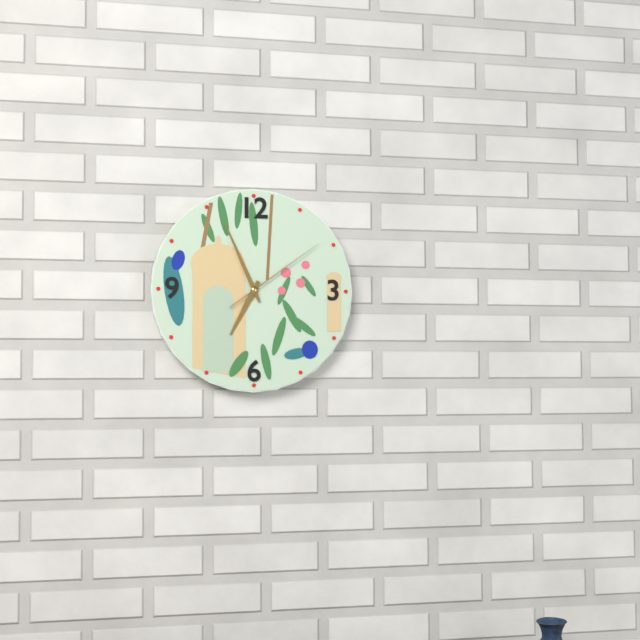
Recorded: 6.56.09
